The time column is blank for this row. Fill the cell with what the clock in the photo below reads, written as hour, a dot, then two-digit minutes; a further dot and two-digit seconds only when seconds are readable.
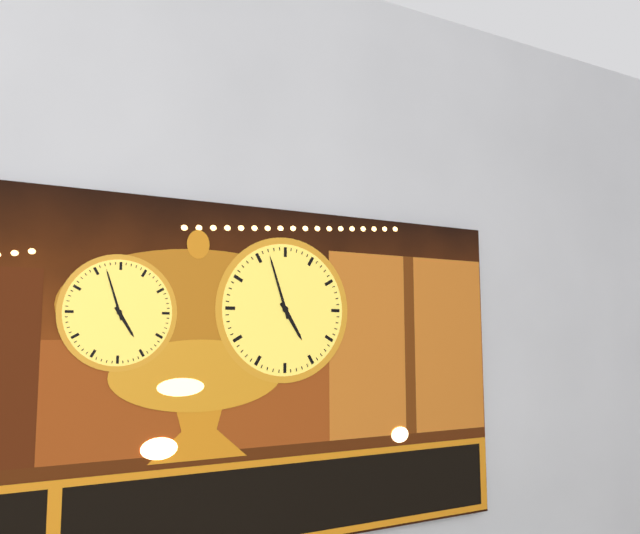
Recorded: 4.57
